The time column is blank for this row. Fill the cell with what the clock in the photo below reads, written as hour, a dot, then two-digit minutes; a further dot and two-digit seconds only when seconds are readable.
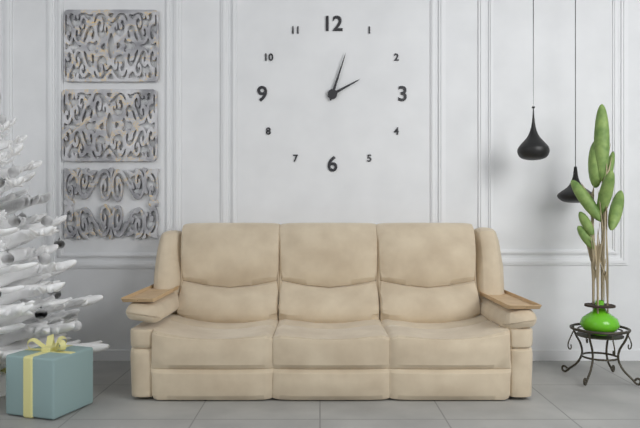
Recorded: 2.03
